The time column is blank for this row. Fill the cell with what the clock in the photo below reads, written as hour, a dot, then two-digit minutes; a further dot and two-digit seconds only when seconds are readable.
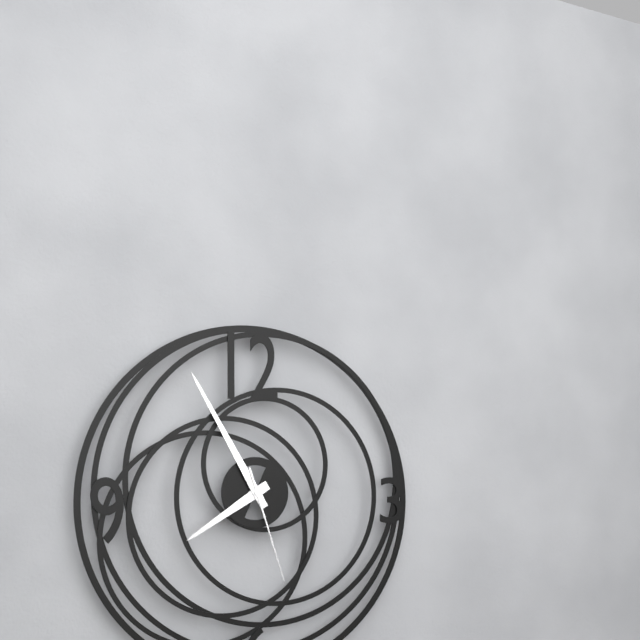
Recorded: 7.55.27
